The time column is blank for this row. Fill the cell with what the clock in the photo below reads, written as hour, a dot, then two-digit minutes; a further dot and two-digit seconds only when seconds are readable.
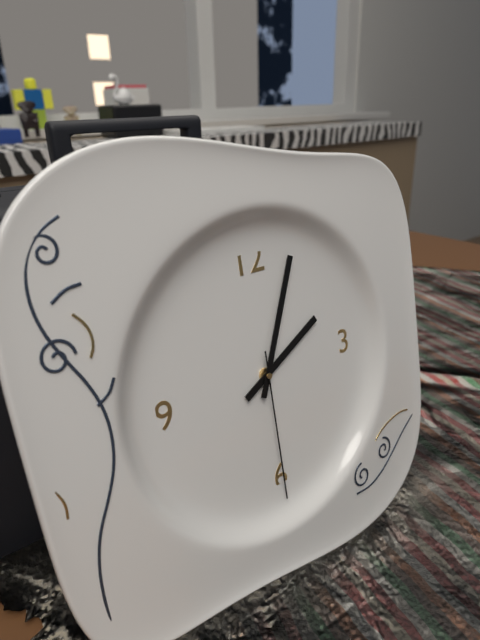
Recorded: 2.04.30
